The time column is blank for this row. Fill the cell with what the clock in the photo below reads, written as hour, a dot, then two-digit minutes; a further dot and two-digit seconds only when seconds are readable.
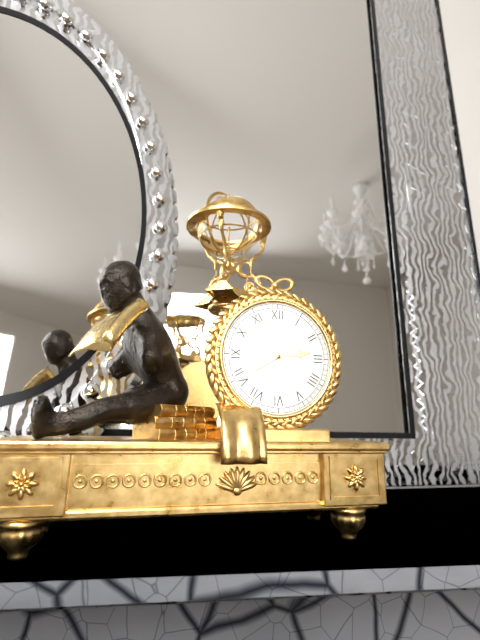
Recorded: 2.40
